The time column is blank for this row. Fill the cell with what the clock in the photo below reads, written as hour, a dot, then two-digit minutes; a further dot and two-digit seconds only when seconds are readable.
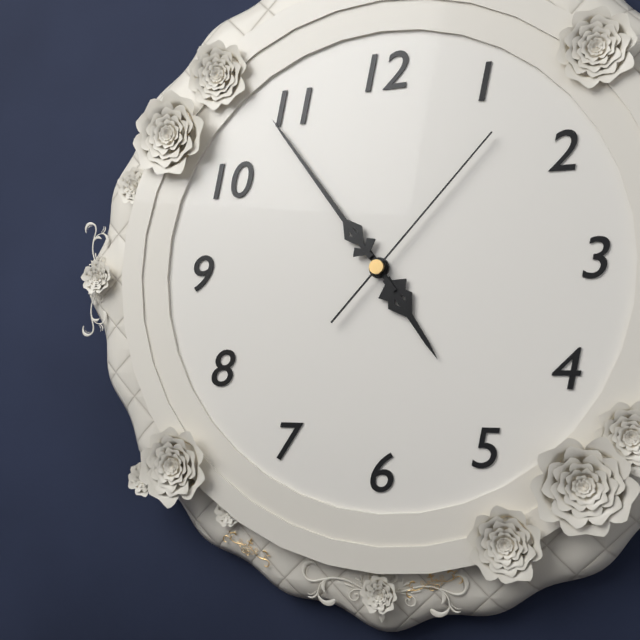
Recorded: 4.54.07
